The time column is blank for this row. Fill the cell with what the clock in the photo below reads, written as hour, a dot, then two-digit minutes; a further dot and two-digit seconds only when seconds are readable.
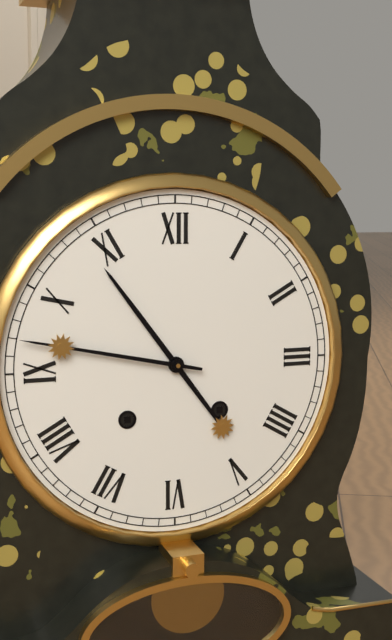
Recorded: 10.47
